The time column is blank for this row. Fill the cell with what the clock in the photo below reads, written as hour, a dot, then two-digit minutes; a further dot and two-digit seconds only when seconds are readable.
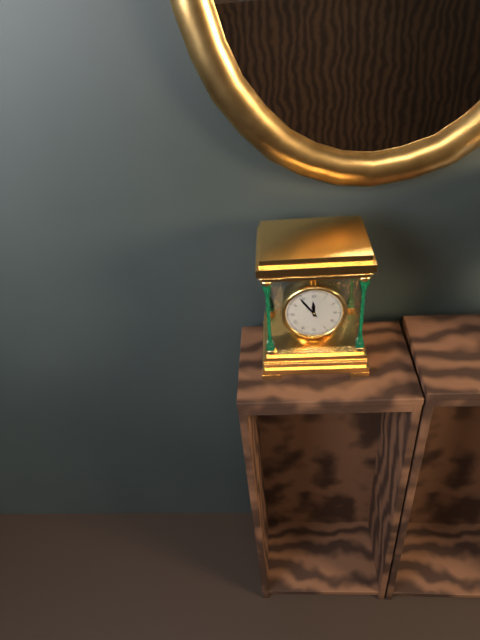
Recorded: 11.54
